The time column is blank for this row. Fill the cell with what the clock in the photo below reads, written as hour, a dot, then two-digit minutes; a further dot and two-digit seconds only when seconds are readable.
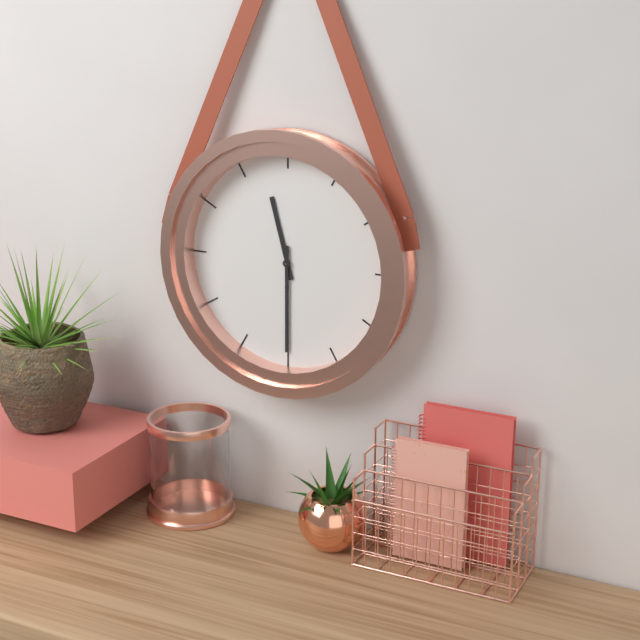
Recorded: 11.30
